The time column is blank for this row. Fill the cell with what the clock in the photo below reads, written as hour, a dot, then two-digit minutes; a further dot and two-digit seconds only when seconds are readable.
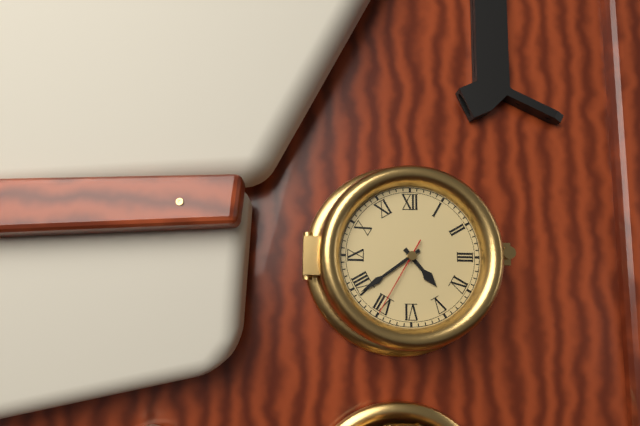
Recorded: 4.39.35
